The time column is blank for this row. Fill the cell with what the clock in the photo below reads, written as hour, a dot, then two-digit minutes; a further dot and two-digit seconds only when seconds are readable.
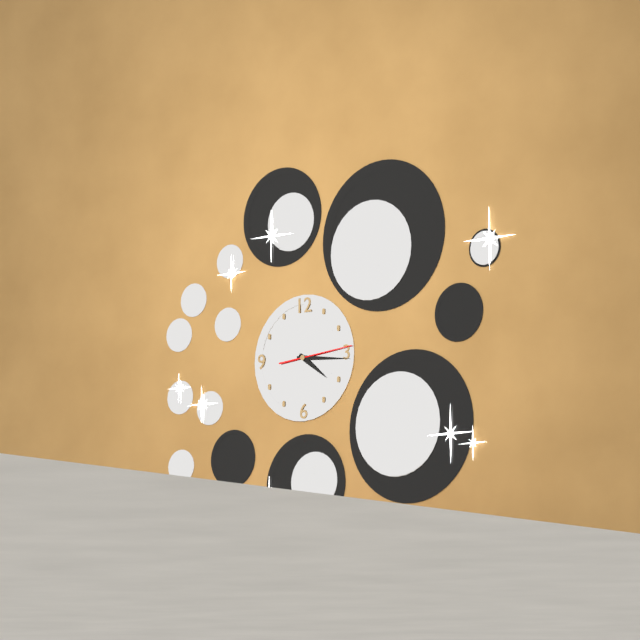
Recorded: 4.16.14
